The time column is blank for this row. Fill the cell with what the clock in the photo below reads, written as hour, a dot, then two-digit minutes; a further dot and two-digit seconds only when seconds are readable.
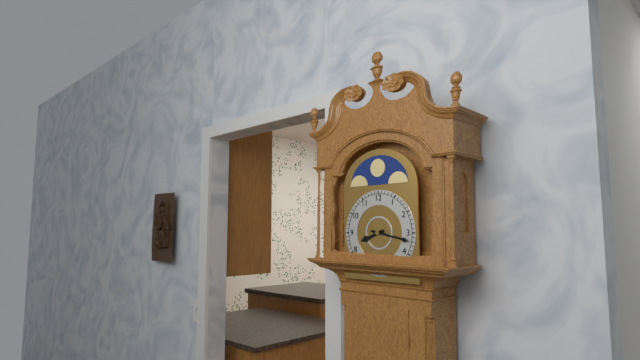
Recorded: 8.17
